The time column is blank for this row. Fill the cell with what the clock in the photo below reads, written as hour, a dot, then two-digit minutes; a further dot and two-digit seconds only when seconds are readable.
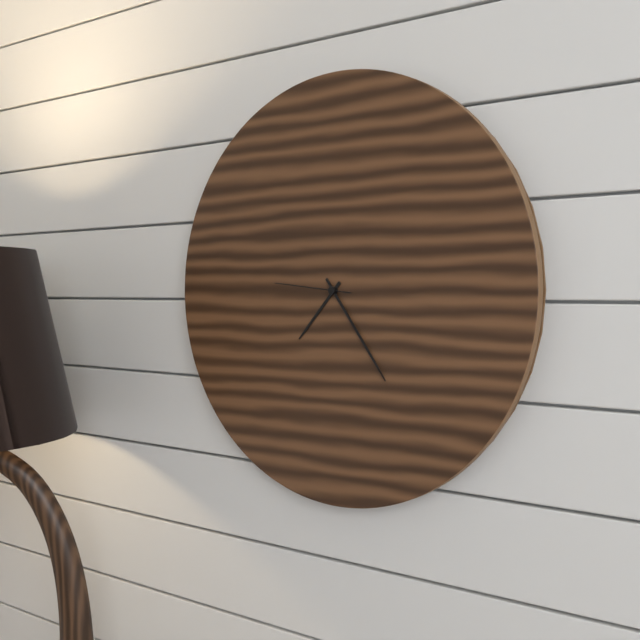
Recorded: 7.24.46
